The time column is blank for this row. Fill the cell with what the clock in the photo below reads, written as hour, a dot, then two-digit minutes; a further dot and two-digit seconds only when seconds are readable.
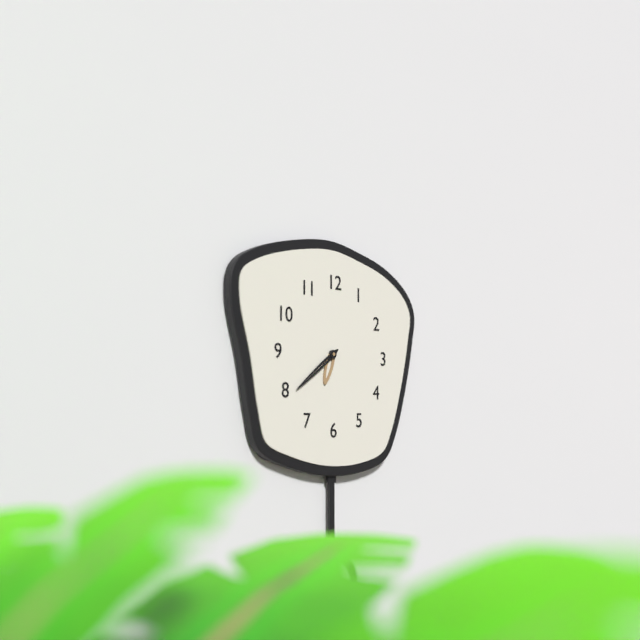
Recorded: 6.39
